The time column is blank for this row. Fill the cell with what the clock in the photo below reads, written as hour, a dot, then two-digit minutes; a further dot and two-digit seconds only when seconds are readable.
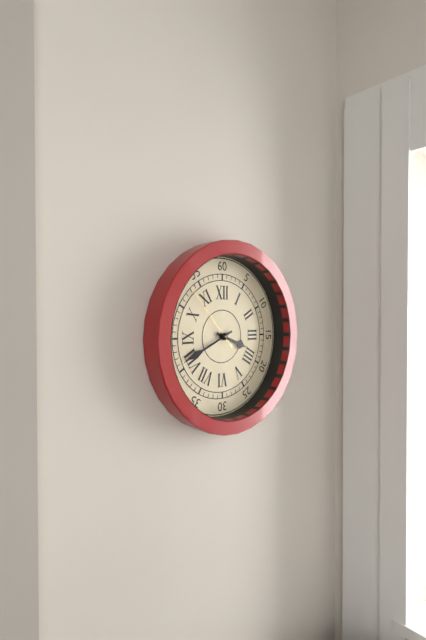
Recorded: 3.41.53
